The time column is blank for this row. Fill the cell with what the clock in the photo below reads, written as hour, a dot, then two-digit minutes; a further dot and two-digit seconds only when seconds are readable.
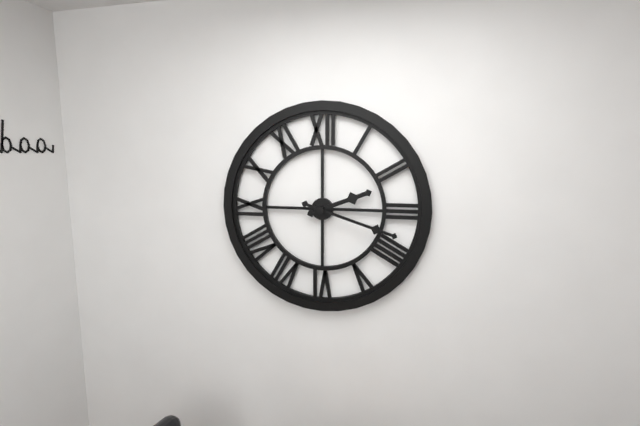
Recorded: 2.18
